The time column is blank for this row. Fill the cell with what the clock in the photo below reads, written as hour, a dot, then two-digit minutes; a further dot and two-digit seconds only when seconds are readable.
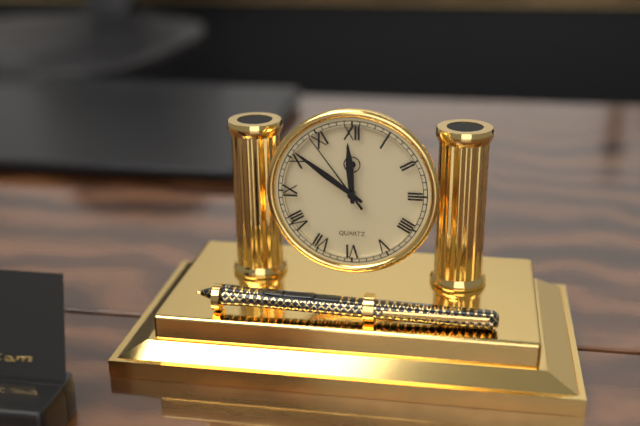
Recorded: 11.51.54
